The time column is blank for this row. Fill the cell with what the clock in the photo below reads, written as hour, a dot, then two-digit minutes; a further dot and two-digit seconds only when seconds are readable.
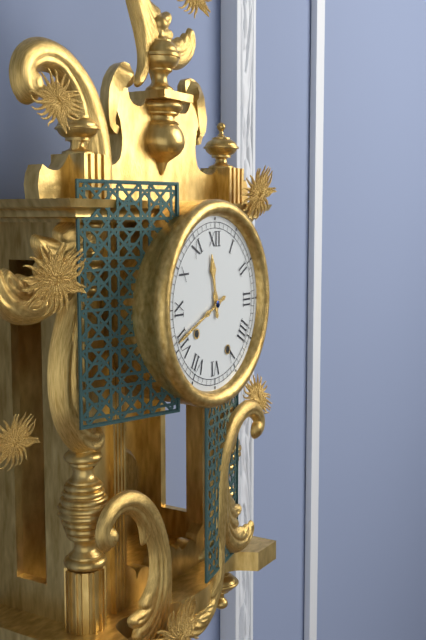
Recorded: 11.41
